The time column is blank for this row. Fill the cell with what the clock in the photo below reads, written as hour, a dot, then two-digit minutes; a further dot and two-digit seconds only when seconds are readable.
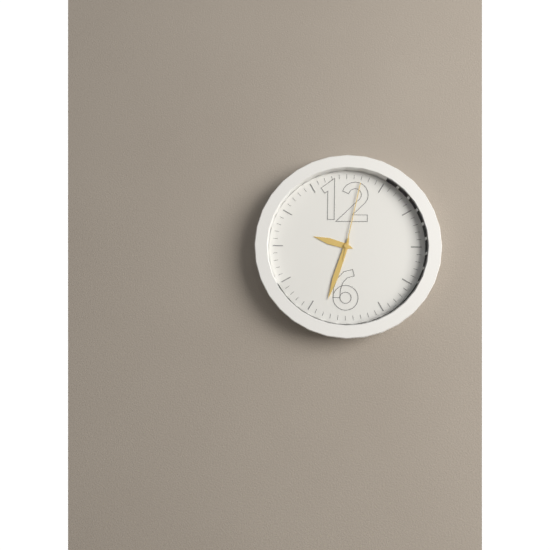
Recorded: 9.33.02
